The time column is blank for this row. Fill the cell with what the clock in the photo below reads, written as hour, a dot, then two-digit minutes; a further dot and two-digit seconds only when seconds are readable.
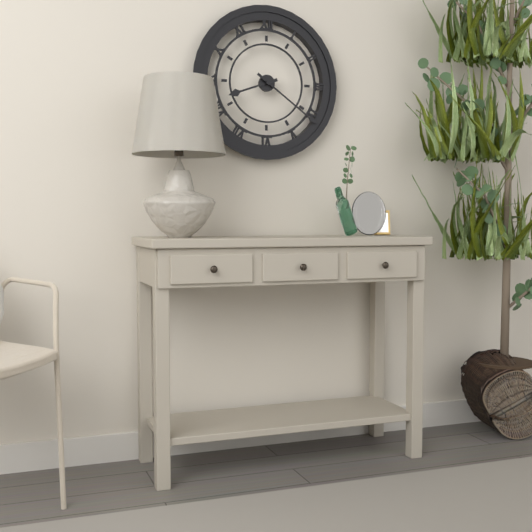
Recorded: 8.21
